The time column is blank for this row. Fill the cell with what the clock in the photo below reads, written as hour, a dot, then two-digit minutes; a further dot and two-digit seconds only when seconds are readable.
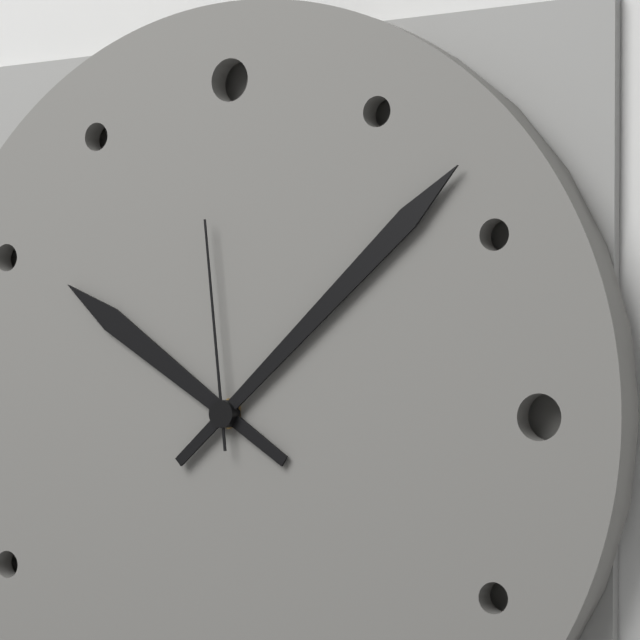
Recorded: 10.08.59
